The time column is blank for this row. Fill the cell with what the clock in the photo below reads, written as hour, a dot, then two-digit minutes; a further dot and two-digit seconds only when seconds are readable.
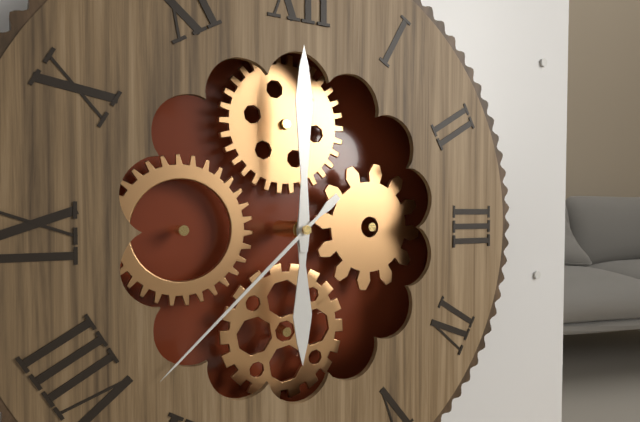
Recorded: 6.00.38
